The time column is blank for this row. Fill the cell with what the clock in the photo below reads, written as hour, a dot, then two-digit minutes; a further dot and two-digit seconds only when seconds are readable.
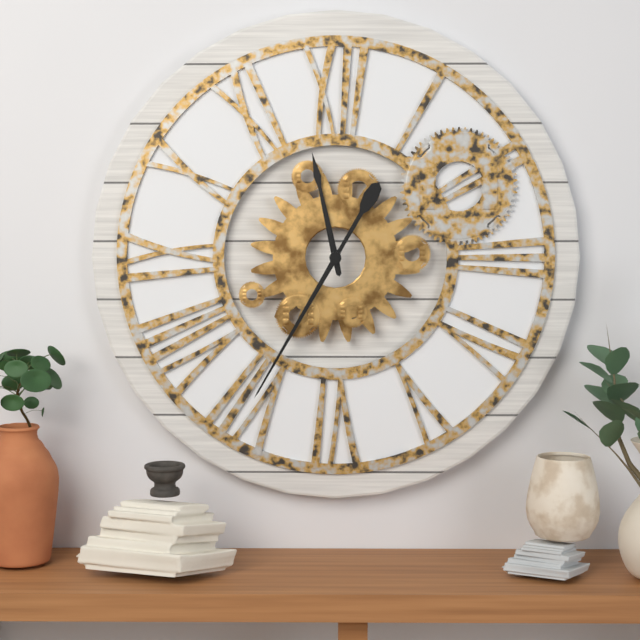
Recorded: 11.35
